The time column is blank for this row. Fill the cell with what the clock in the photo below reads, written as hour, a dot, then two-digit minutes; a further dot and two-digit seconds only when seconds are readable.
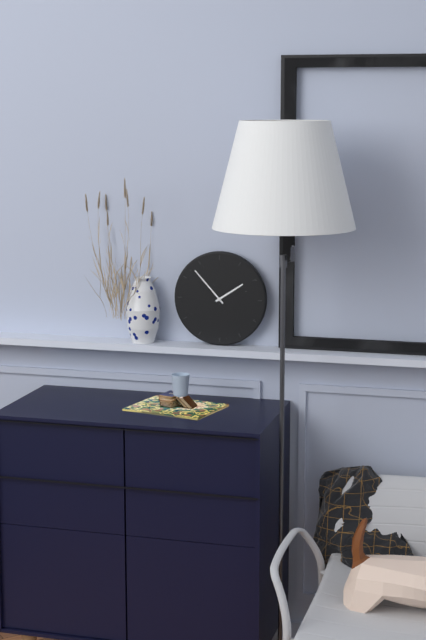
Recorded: 1.53
